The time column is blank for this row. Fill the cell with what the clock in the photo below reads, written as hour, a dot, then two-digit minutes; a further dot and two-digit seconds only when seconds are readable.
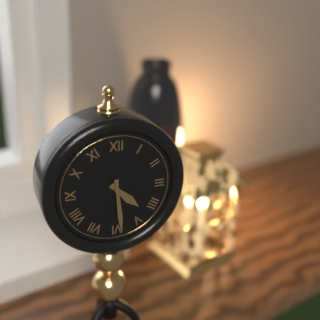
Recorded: 4.29
